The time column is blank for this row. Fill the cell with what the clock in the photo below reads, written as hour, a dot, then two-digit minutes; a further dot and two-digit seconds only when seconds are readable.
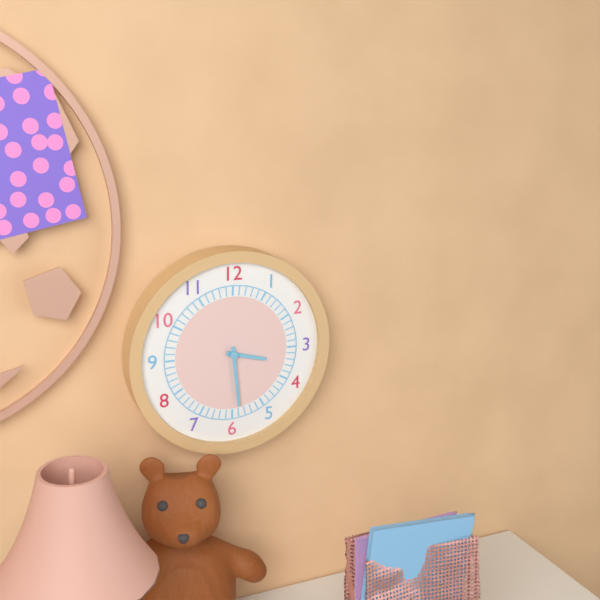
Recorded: 3.29
